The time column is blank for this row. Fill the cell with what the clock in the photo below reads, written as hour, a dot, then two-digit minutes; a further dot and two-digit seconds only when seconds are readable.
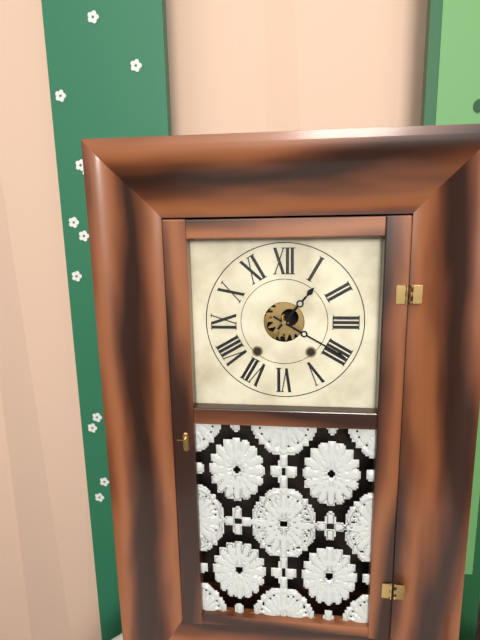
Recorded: 1.20
